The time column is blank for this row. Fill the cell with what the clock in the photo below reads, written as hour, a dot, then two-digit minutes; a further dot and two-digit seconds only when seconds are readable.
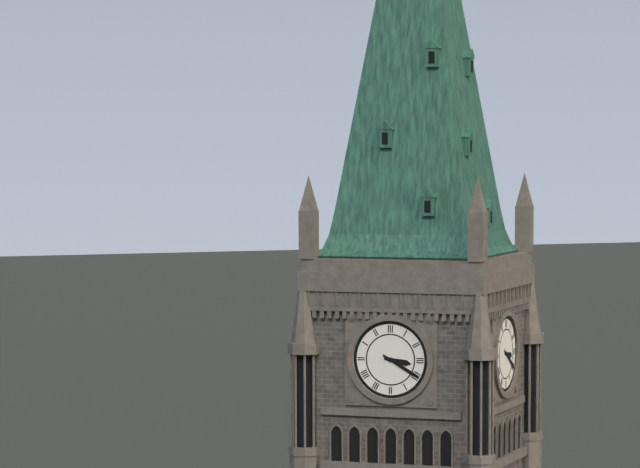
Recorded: 3.20
